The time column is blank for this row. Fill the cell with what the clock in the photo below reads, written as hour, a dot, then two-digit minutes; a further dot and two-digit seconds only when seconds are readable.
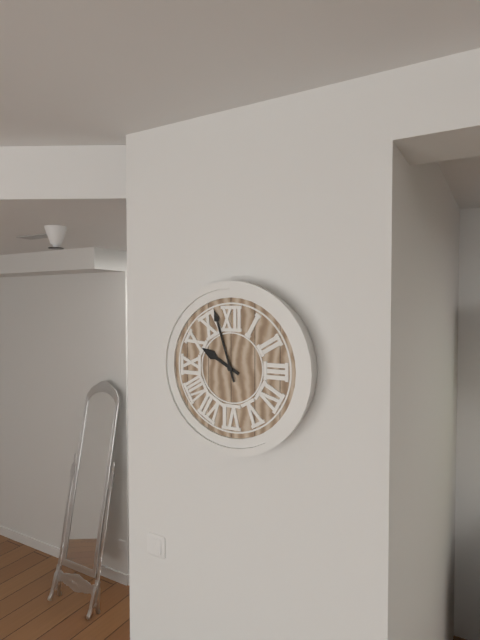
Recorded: 9.57
